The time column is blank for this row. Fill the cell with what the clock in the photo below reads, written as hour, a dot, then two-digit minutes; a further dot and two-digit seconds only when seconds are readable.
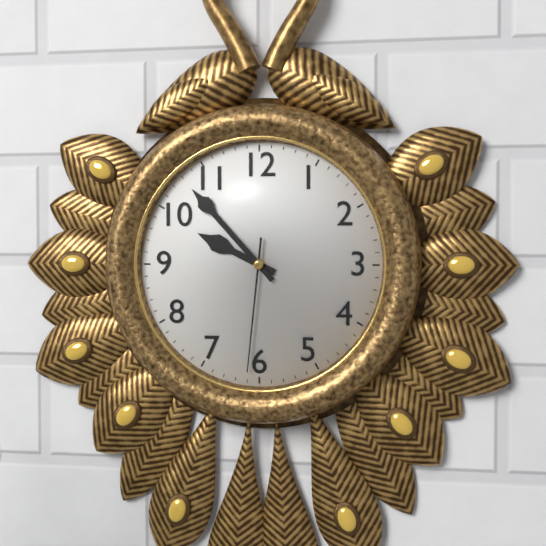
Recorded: 9.53.31
